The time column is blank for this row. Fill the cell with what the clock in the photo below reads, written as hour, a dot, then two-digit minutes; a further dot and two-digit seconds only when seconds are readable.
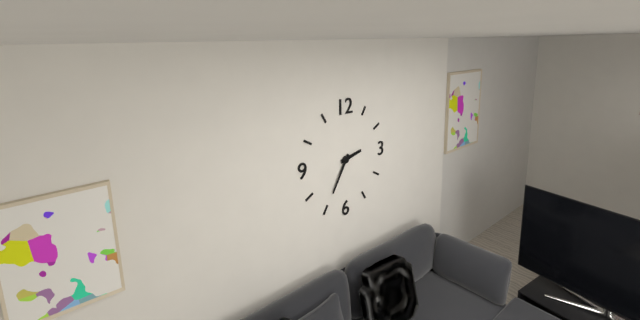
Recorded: 2.35
